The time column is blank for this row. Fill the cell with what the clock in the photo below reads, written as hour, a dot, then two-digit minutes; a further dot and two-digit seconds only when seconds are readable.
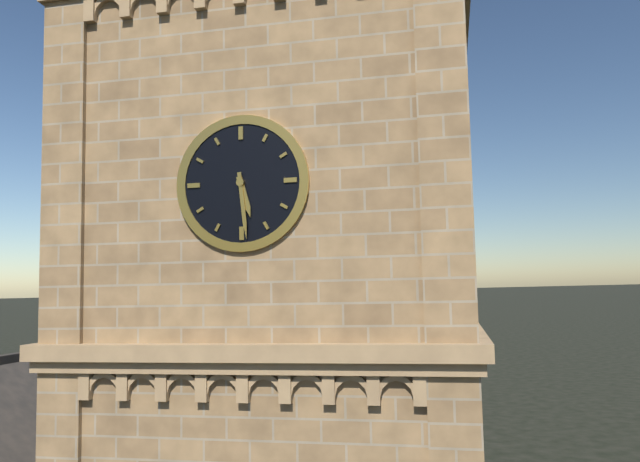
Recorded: 5.29
